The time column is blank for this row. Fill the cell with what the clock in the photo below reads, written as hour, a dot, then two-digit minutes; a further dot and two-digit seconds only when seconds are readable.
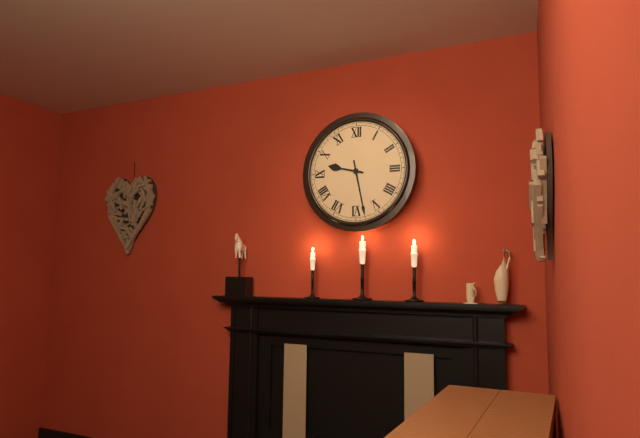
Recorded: 9.28
